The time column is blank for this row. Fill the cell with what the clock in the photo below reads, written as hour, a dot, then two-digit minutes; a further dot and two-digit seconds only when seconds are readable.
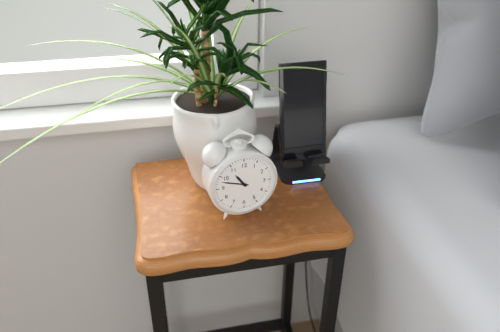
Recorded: 10.48
